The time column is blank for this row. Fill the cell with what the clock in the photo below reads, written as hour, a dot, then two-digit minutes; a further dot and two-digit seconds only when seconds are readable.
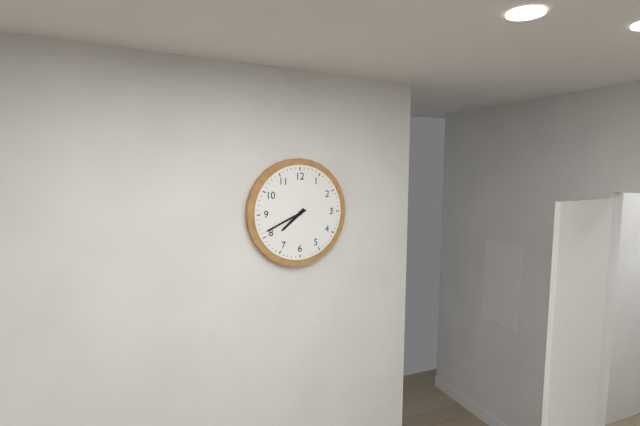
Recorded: 7.41
